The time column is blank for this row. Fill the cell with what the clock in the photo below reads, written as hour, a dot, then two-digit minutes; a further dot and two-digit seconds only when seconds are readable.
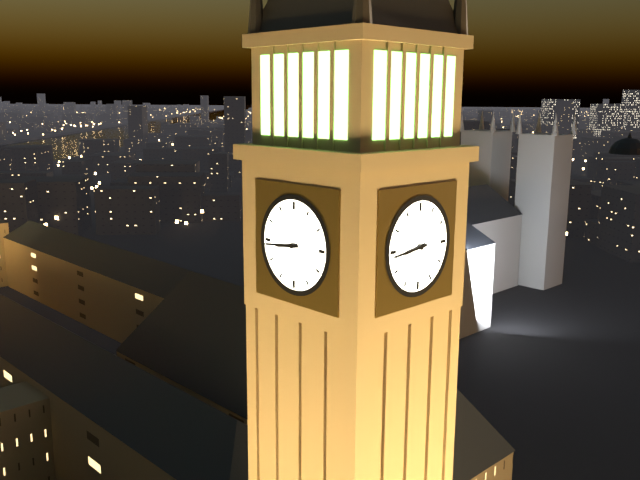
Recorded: 8.44
